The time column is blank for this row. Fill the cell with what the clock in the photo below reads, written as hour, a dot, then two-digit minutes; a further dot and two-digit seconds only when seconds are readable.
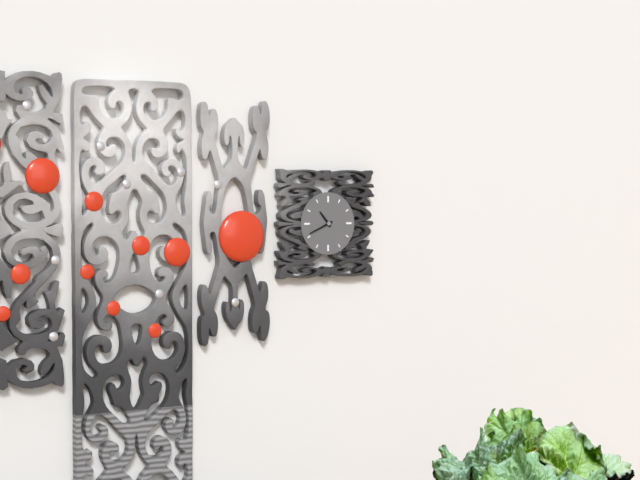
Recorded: 10.41
